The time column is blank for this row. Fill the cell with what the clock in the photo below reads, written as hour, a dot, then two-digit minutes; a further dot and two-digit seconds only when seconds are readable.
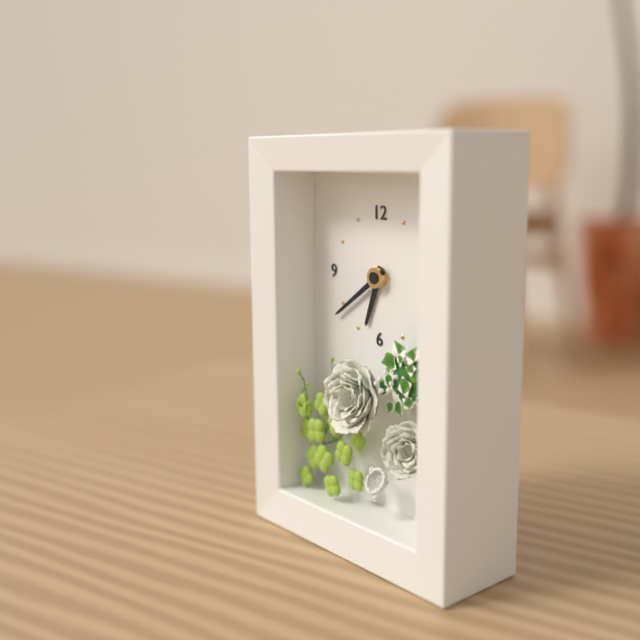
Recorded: 6.39
